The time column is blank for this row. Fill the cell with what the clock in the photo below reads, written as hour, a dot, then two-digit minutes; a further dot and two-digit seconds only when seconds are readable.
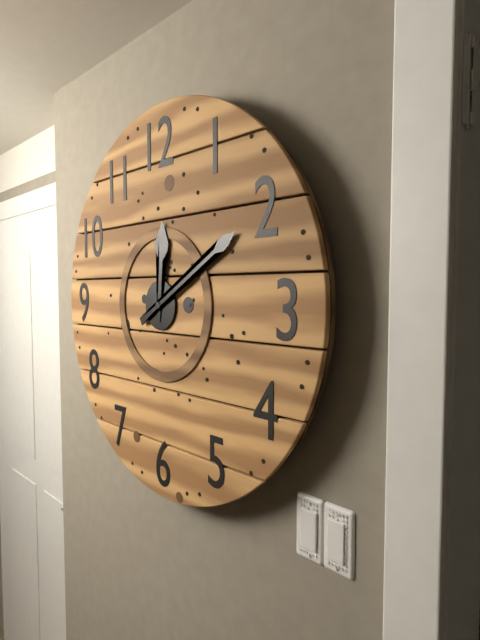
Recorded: 12.10
